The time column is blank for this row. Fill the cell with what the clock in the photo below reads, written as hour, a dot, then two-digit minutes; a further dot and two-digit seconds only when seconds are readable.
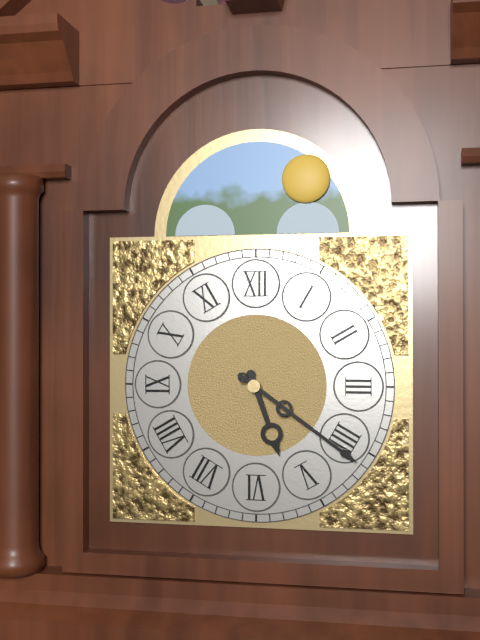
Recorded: 5.21
